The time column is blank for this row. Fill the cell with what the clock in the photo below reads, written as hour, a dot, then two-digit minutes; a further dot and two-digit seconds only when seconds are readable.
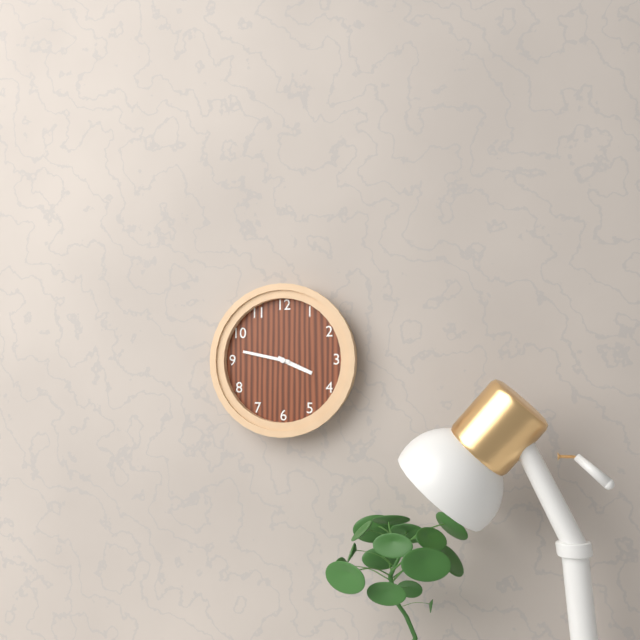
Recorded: 3.47
